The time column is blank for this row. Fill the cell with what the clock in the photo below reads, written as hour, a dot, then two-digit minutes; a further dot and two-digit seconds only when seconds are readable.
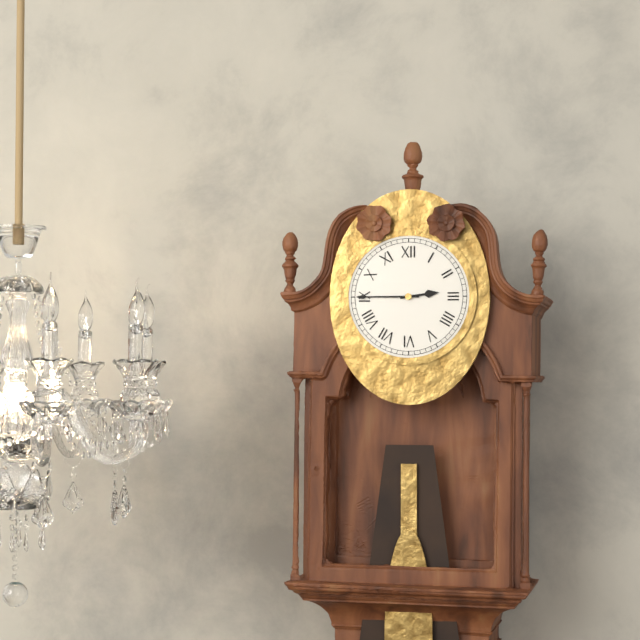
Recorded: 2.45
